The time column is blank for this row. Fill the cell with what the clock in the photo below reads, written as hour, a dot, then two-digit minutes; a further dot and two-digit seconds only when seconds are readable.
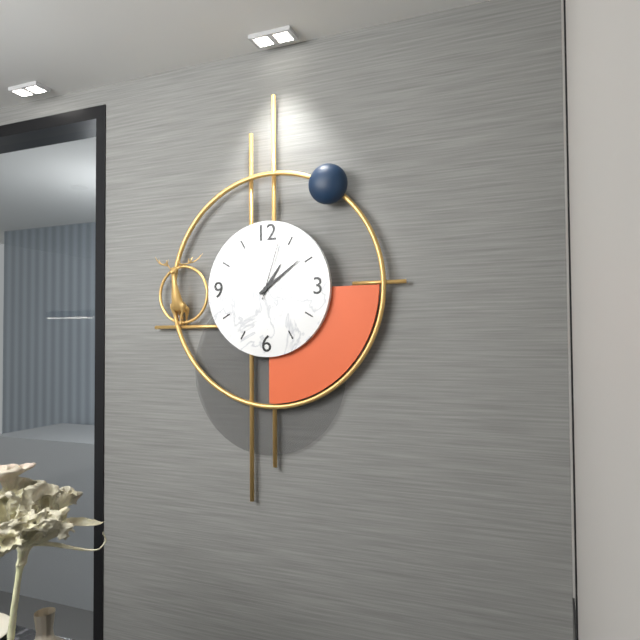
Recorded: 1.09.03
